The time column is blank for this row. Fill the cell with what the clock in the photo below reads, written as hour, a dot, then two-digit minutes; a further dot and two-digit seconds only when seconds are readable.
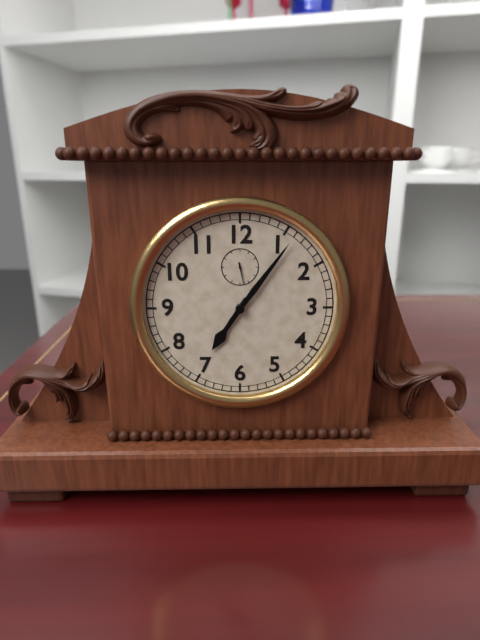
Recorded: 7.06
